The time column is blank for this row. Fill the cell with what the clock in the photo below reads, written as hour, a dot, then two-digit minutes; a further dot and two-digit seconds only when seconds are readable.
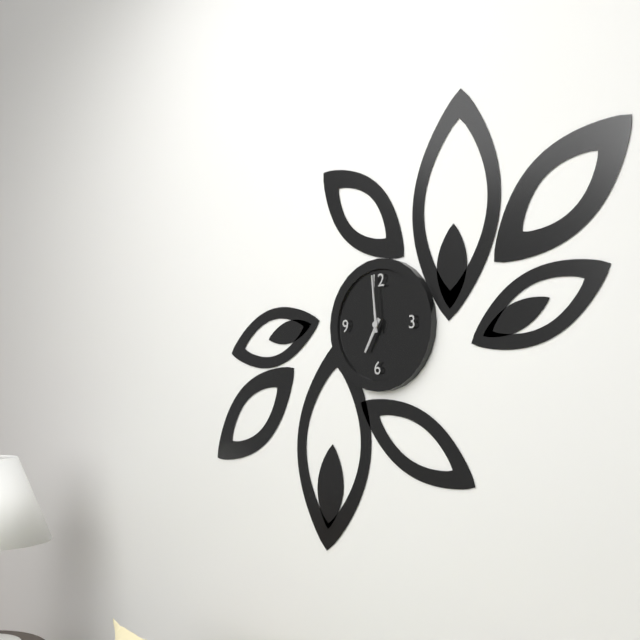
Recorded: 6.59
